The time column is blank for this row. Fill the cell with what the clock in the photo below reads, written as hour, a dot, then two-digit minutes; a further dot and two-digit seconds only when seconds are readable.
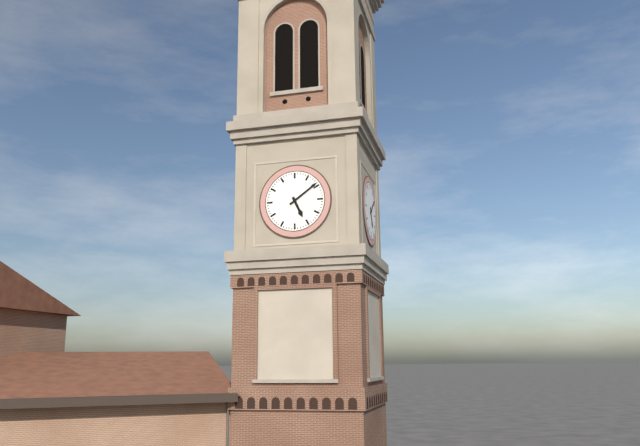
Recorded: 5.09
